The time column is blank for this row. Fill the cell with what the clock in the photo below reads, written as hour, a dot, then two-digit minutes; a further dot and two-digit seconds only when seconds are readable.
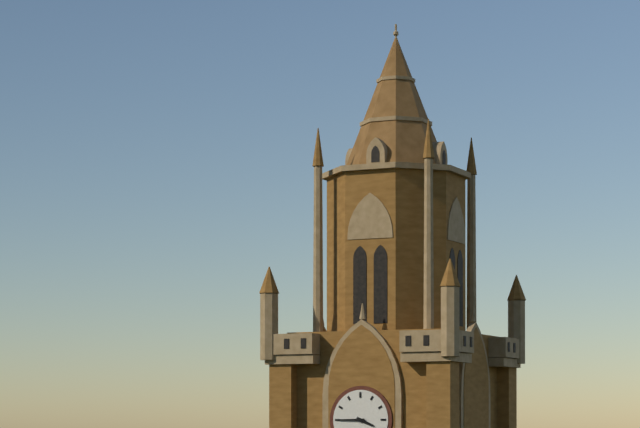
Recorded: 3.45
